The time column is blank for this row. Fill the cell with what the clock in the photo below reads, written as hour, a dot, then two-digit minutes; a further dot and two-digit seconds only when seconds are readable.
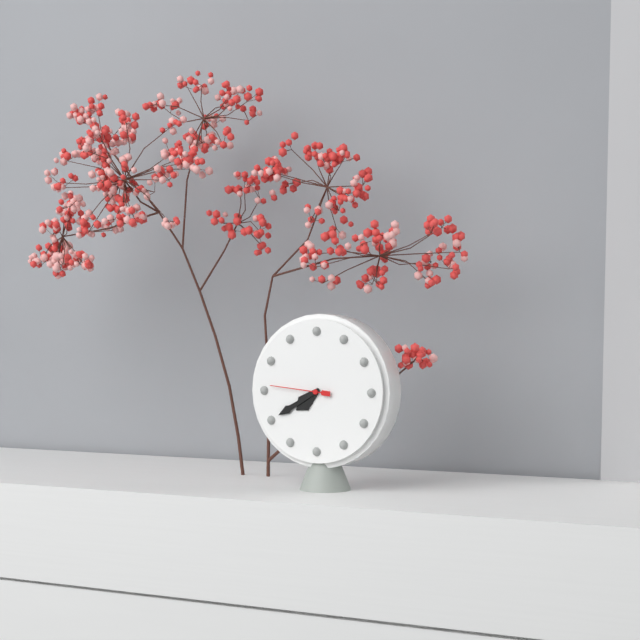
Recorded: 7.40.46
